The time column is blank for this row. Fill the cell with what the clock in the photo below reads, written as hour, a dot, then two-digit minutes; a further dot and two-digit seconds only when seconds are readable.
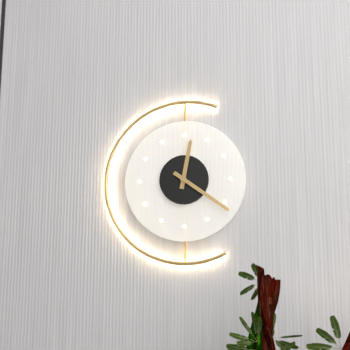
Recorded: 12.21
